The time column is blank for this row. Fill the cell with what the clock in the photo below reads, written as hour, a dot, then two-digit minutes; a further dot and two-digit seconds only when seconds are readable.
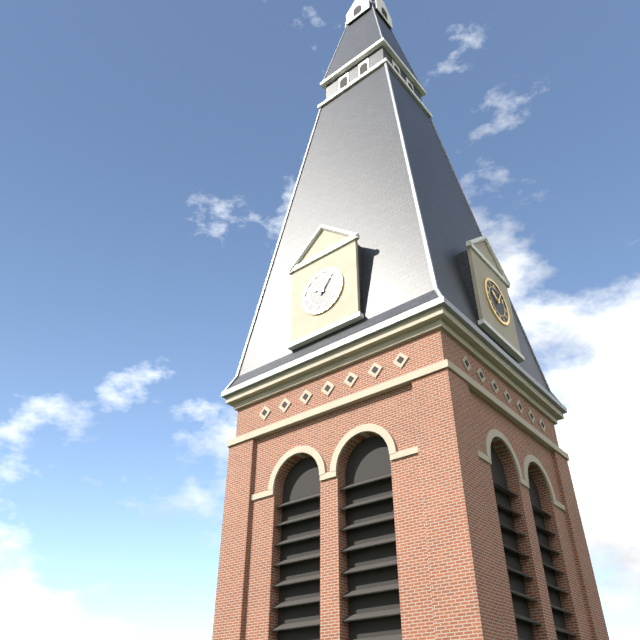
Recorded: 10.06
